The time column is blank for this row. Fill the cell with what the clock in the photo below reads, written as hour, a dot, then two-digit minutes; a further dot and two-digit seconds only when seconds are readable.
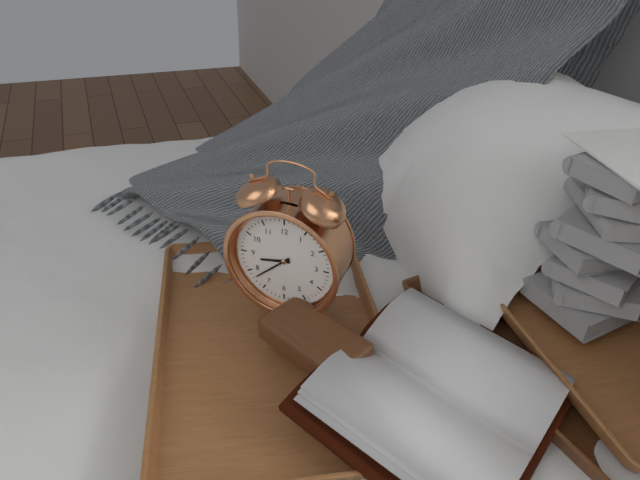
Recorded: 8.38
